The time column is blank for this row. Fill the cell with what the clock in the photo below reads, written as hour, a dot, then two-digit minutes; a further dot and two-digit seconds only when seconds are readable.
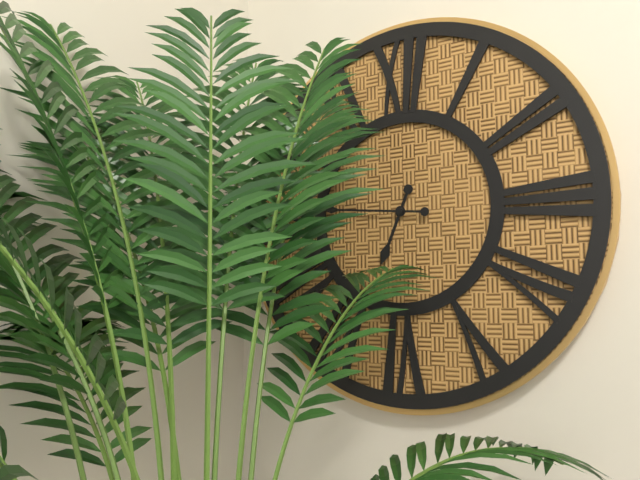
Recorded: 6.46
